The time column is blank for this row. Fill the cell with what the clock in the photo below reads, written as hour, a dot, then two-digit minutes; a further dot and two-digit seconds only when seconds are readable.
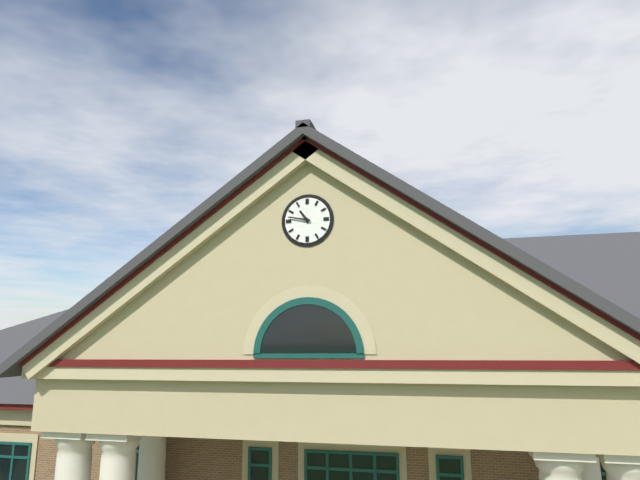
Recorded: 10.47
